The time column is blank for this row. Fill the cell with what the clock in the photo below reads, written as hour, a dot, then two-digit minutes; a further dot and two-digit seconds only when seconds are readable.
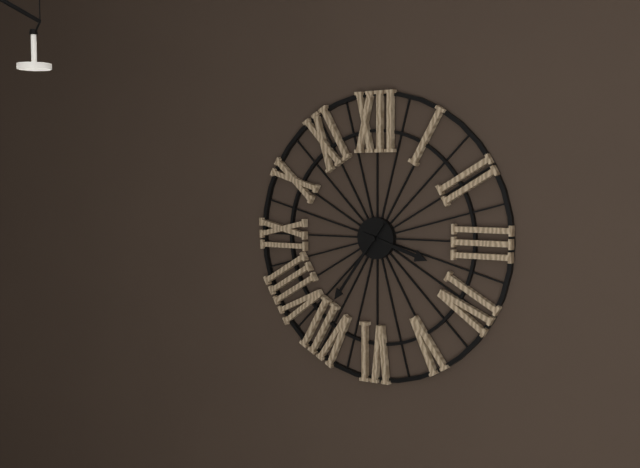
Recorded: 3.36
